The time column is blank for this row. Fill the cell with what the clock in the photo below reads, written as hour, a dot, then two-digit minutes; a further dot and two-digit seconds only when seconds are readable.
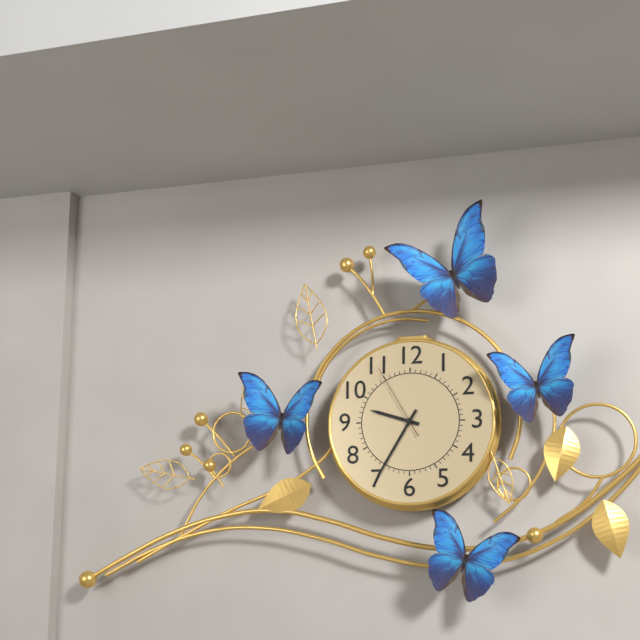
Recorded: 9.35.55
